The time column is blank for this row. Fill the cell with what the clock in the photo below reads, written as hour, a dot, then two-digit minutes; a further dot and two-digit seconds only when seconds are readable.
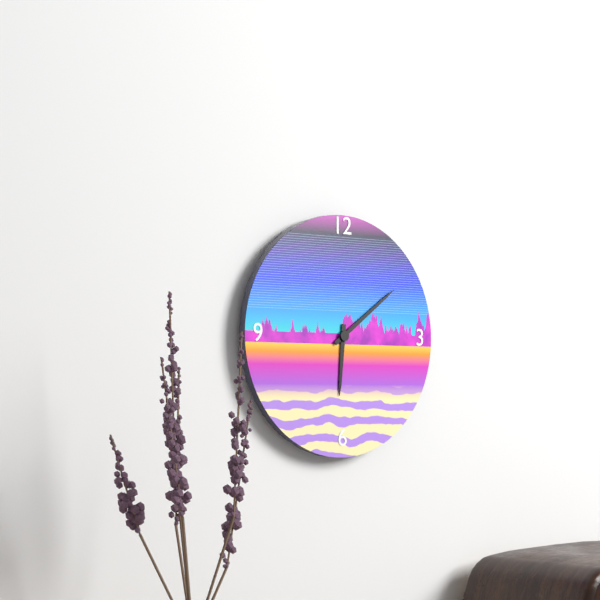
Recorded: 6.09
